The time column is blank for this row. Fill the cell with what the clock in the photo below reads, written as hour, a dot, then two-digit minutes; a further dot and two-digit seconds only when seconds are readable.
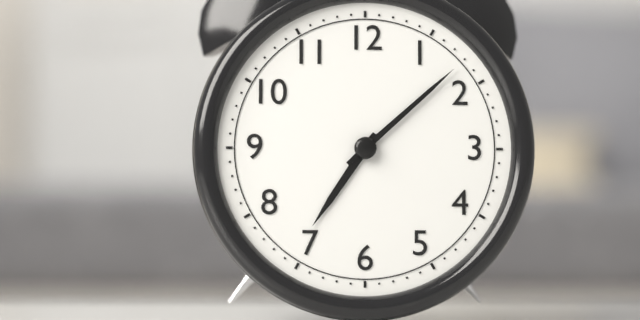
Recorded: 7.08
